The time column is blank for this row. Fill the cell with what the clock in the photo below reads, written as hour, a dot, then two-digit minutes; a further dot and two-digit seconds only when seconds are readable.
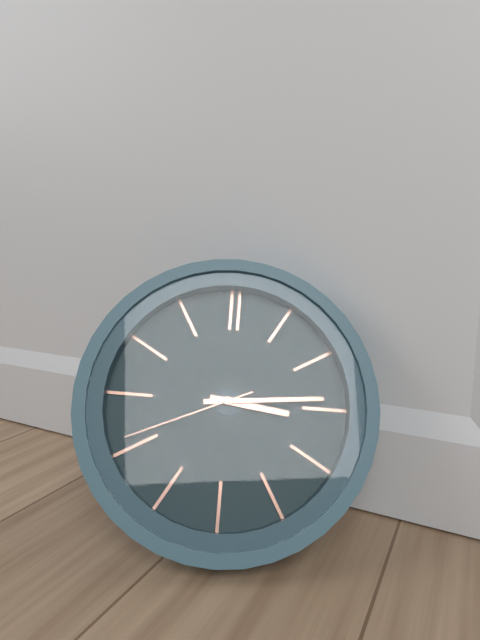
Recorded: 3.14.41
